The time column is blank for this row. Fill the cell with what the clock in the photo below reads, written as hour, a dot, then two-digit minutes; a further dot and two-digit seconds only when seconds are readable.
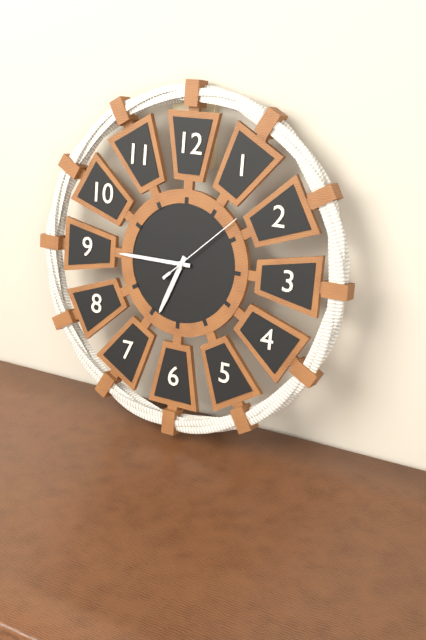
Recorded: 6.45.08
